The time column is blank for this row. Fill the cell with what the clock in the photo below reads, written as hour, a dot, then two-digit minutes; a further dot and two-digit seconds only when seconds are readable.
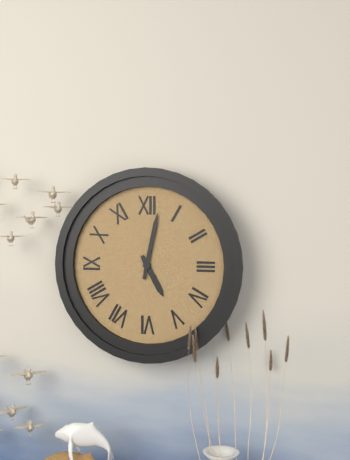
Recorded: 5.02
